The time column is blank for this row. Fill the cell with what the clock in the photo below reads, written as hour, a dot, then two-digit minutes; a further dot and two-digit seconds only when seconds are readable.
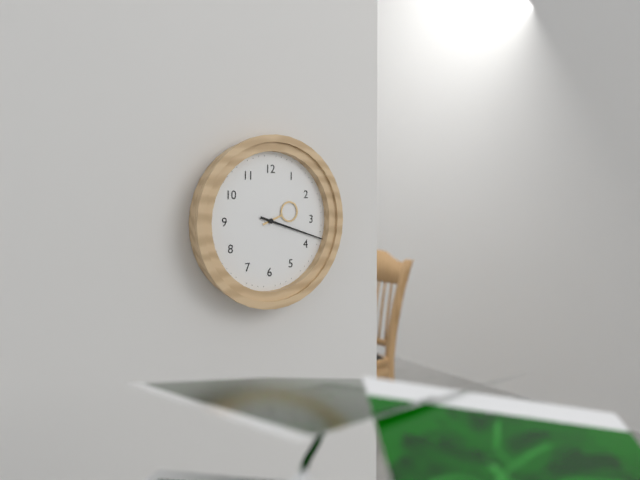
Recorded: 2.18
